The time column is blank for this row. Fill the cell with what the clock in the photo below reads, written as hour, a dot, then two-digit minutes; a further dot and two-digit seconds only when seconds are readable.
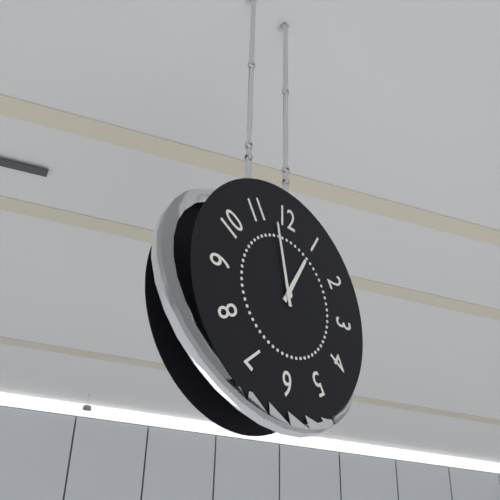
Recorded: 12.58
